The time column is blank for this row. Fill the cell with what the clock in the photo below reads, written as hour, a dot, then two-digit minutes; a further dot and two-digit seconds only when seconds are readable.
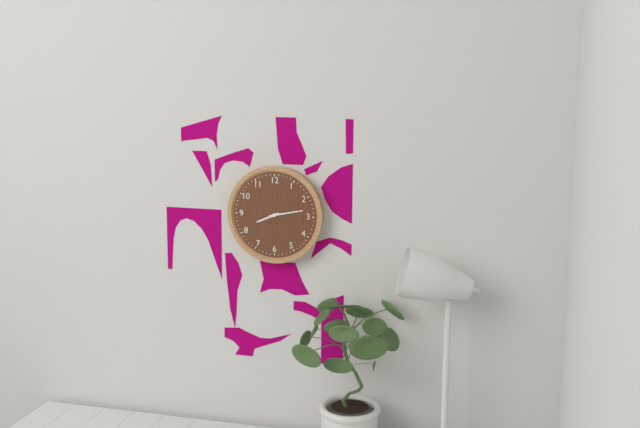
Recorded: 8.13
